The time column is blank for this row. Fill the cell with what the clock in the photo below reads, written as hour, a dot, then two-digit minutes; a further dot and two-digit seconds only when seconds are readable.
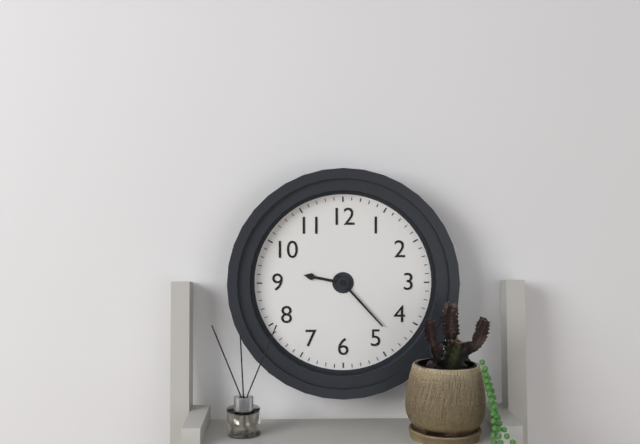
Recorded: 9.23
